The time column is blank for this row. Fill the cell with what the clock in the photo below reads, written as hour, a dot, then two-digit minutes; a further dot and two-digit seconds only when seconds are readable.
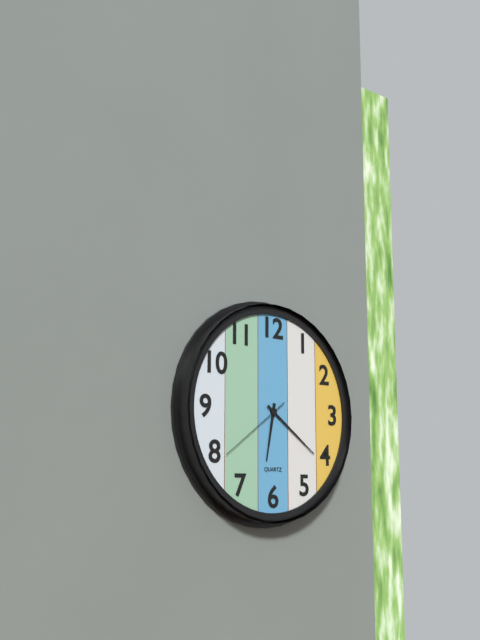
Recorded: 6.21.39
